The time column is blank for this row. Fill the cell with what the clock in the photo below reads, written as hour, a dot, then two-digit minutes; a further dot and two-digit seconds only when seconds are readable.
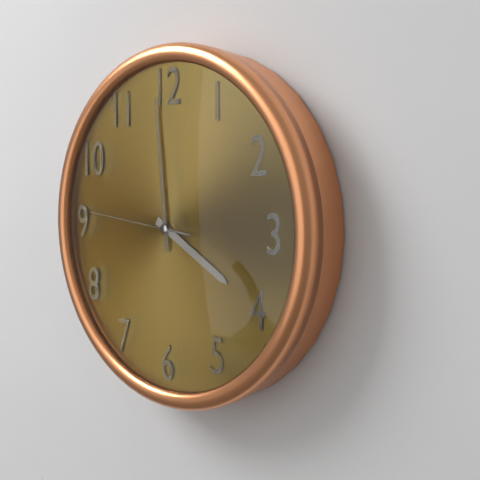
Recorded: 3.59.46
